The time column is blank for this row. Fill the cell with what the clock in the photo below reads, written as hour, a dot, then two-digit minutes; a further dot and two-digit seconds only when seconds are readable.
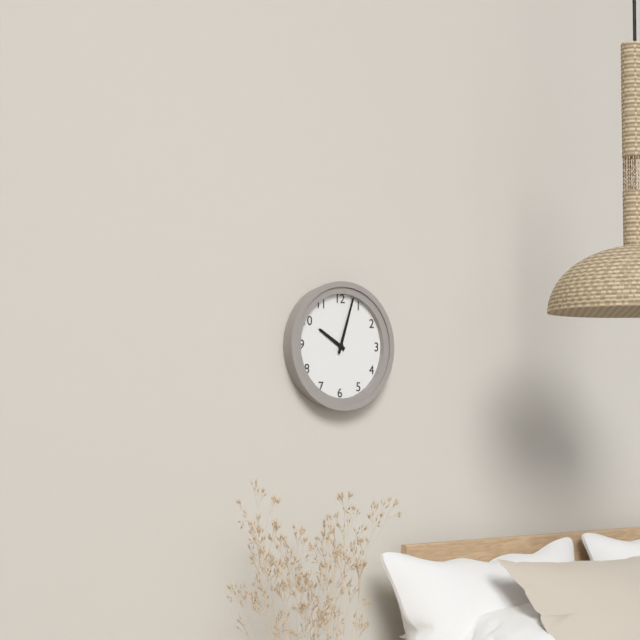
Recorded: 10.03
